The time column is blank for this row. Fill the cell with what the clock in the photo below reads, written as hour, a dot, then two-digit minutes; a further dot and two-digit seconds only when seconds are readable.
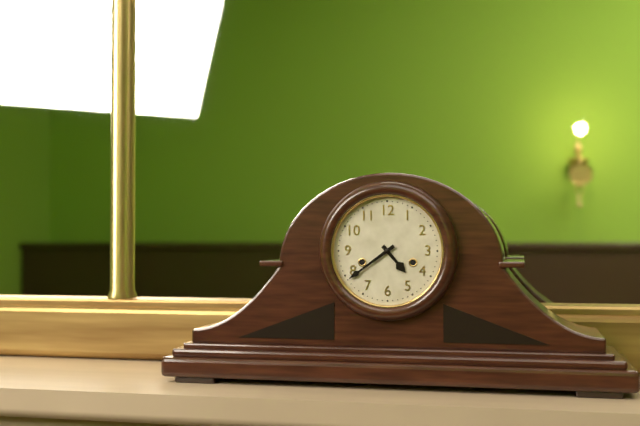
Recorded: 4.39
